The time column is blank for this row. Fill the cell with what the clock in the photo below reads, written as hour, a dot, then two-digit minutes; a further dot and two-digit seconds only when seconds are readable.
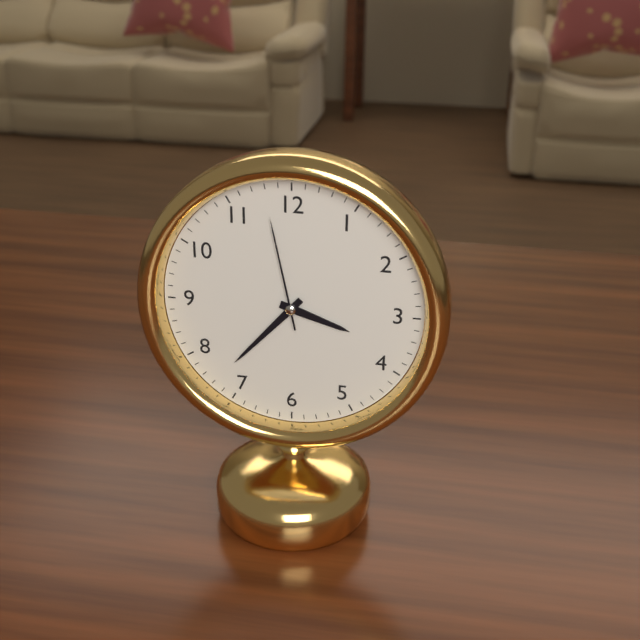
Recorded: 3.37.58
